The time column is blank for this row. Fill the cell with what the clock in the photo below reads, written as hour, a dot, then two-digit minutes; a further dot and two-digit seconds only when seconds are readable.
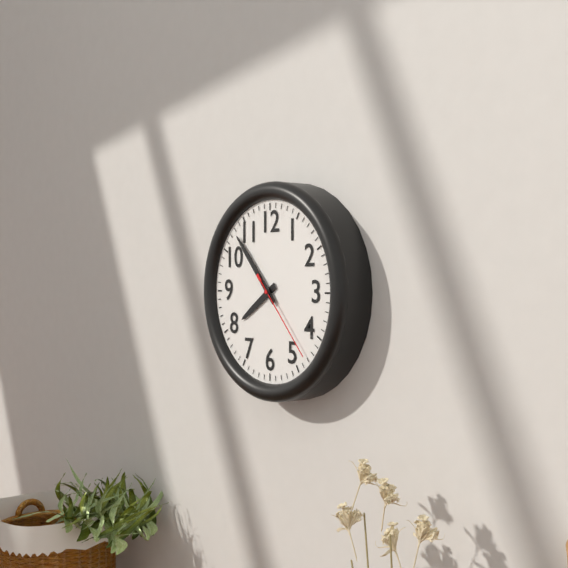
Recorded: 7.53.23
